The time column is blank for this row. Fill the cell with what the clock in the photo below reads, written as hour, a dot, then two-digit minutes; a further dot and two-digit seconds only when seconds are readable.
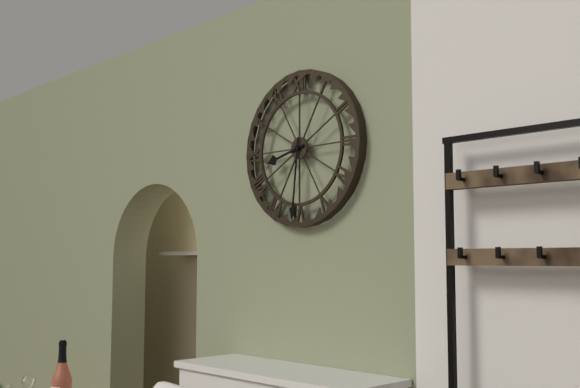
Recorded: 8.31
